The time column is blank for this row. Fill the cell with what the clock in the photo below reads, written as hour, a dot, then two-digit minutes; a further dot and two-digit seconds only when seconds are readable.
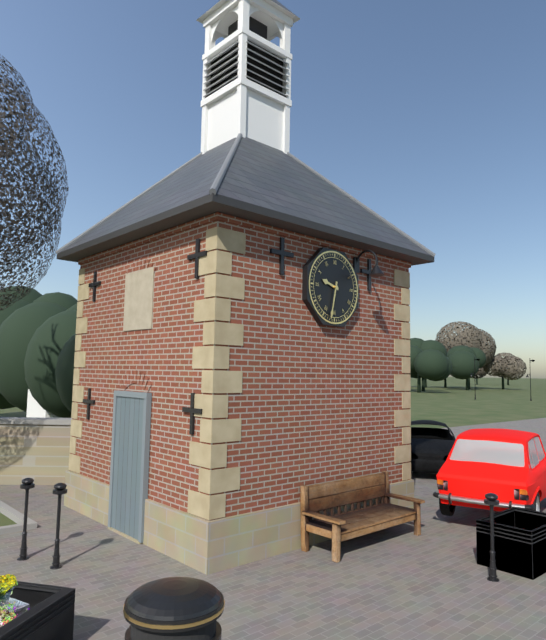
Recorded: 9.32
